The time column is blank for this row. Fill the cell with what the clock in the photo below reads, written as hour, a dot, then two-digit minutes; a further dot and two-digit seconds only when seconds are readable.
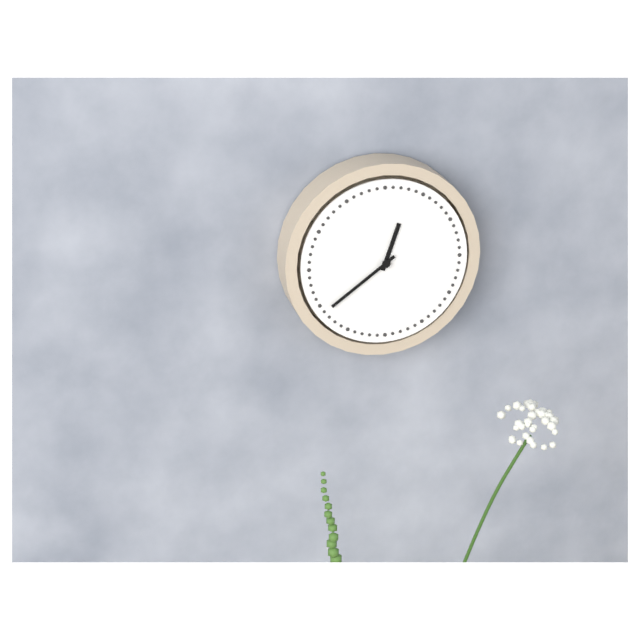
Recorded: 12.39
